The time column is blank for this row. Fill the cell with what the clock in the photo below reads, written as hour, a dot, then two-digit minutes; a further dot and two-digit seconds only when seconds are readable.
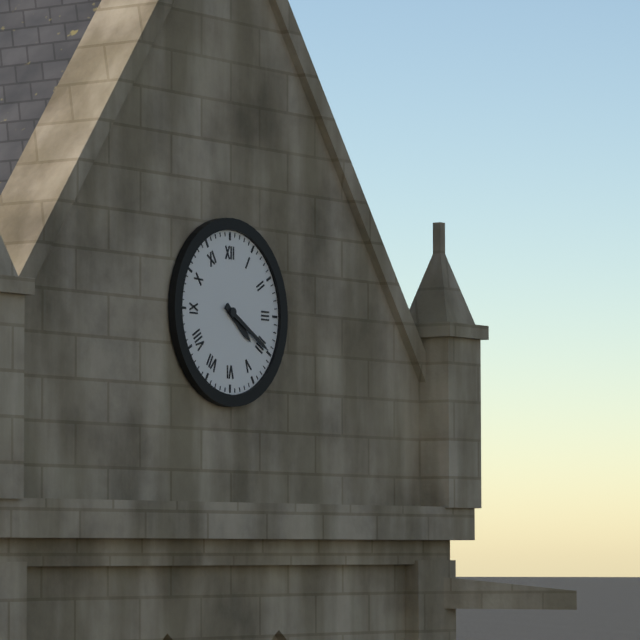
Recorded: 4.20
